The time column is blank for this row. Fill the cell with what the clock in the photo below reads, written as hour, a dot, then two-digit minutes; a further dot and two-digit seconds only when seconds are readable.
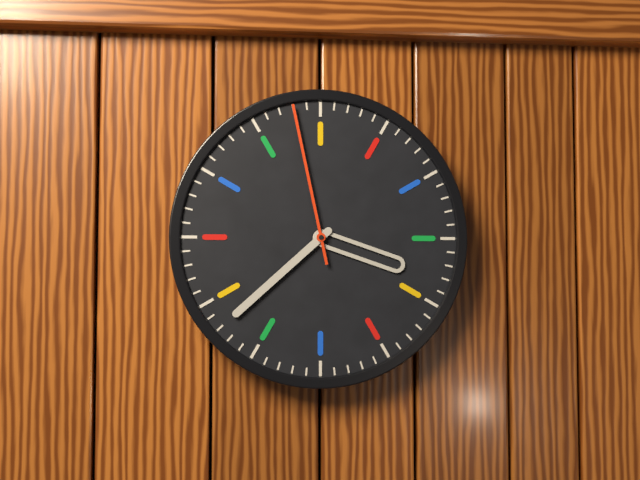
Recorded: 3.38.58
